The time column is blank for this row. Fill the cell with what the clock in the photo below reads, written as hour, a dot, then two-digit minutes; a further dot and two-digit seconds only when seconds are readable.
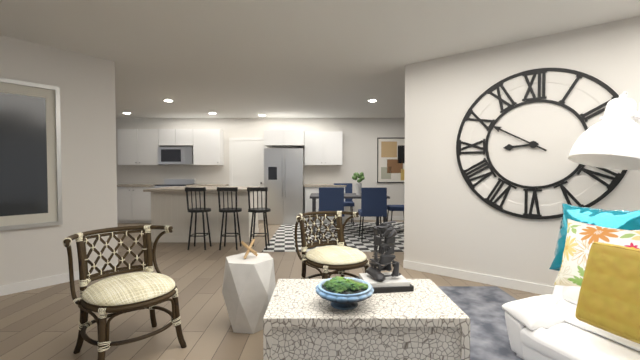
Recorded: 8.50
